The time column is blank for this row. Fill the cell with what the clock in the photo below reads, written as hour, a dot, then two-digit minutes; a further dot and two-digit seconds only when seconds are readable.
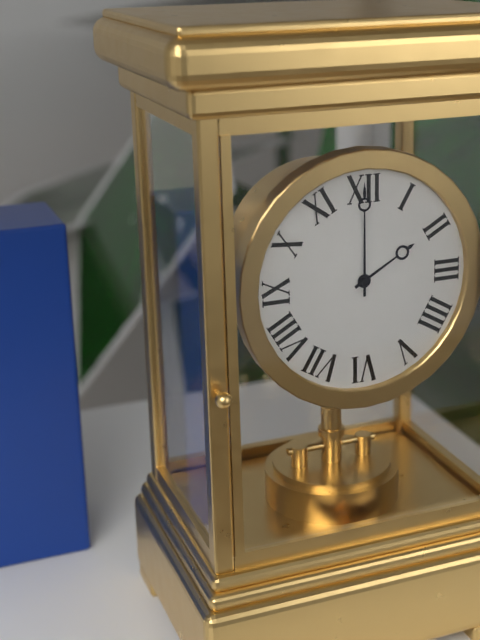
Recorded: 2.00
